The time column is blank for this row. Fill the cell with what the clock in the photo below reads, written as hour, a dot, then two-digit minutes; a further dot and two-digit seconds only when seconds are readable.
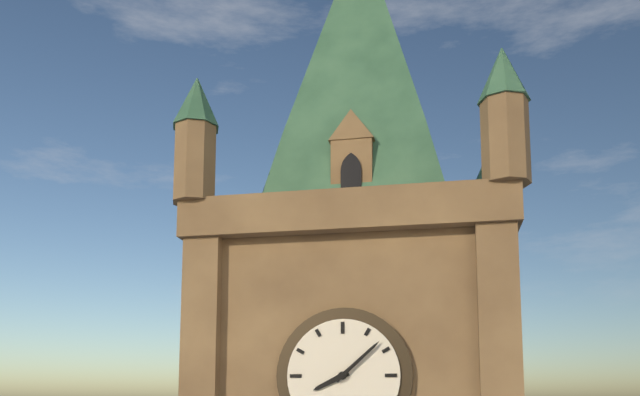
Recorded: 8.08
